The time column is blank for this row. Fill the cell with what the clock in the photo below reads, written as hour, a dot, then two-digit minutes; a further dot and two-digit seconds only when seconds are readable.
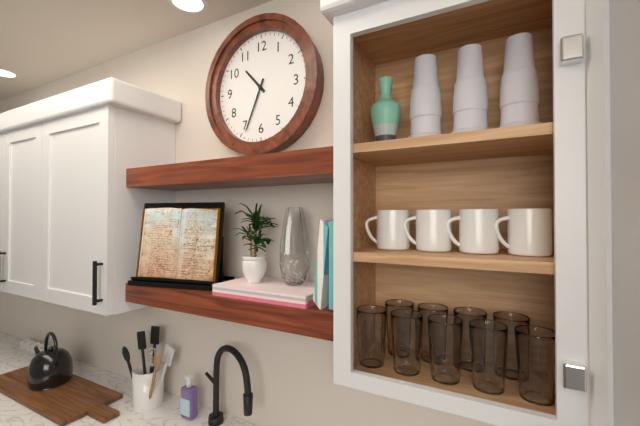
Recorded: 10.34
